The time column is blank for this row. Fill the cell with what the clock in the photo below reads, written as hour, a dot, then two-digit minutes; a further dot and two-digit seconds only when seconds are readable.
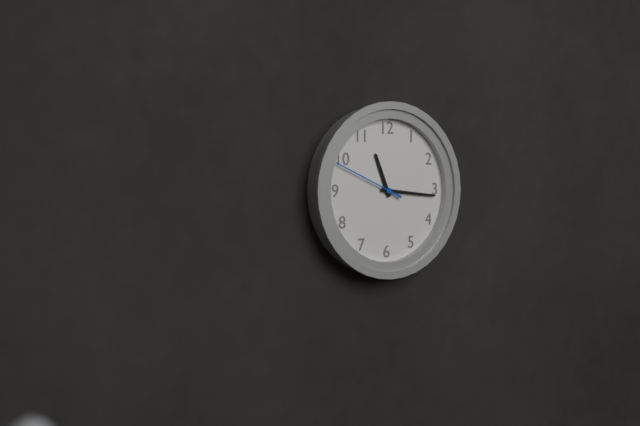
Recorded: 11.16.49
